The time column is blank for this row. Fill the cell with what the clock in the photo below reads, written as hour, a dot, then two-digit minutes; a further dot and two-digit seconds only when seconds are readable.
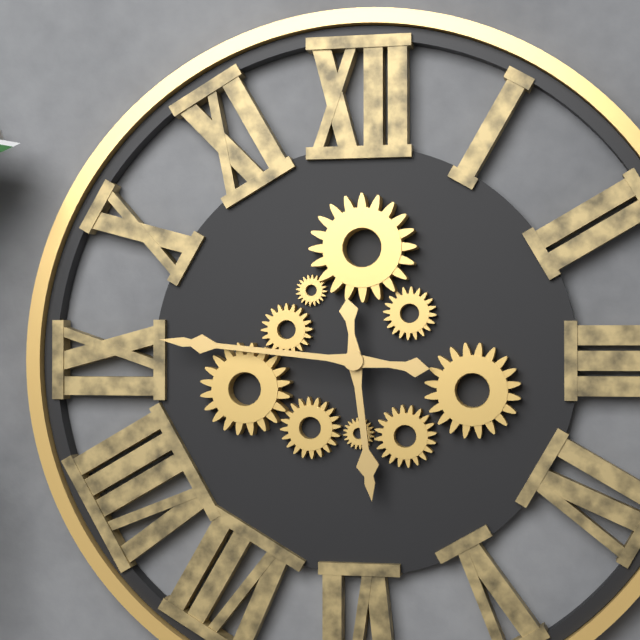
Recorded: 5.46
